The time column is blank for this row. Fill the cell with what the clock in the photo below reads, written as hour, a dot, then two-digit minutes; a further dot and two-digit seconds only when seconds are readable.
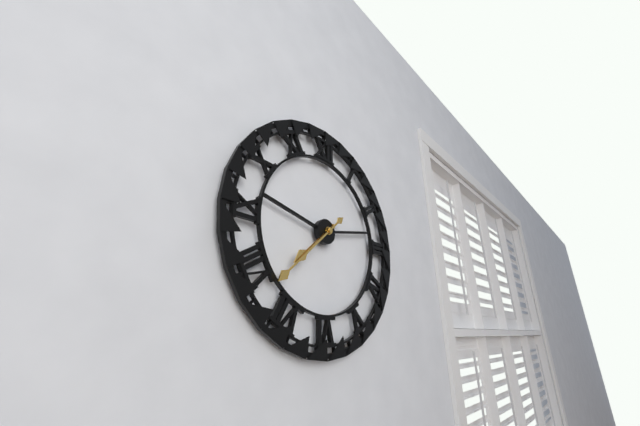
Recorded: 7.38
